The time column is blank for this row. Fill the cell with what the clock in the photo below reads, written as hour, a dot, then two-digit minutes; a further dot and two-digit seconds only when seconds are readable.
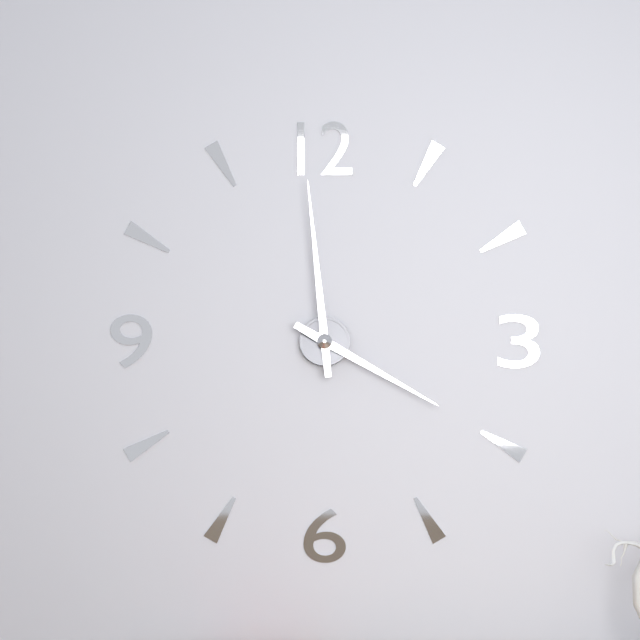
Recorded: 3.59
